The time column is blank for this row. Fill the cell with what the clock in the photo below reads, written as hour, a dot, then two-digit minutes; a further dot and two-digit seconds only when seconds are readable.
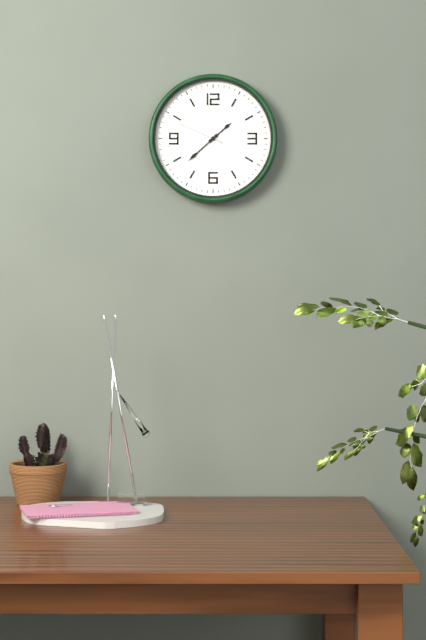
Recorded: 1.38.49
